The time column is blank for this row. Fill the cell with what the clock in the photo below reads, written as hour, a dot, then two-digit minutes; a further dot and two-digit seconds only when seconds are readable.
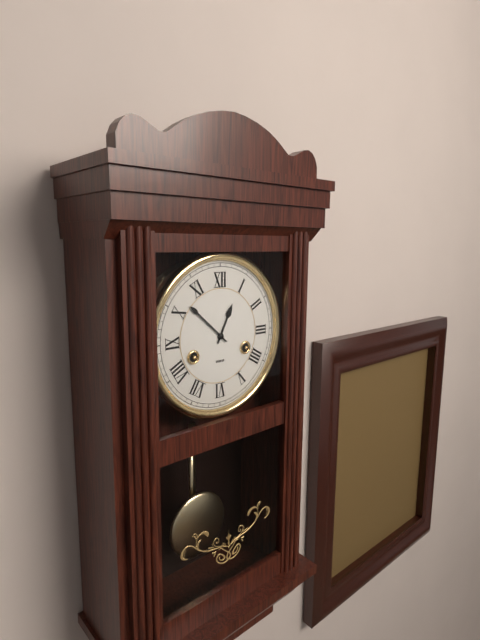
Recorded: 12.52
